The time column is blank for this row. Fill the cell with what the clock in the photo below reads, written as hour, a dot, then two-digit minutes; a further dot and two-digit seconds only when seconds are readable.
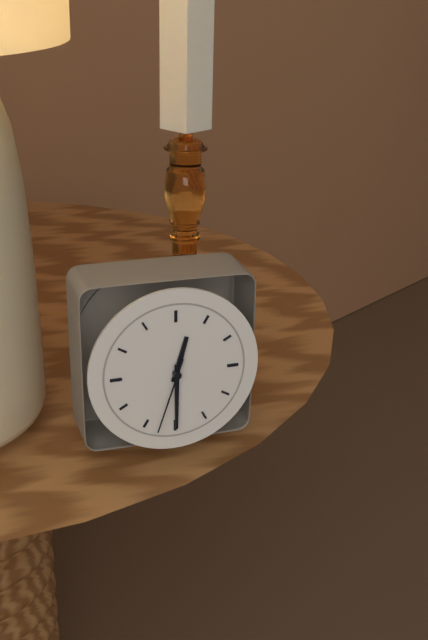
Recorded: 12.30.33
